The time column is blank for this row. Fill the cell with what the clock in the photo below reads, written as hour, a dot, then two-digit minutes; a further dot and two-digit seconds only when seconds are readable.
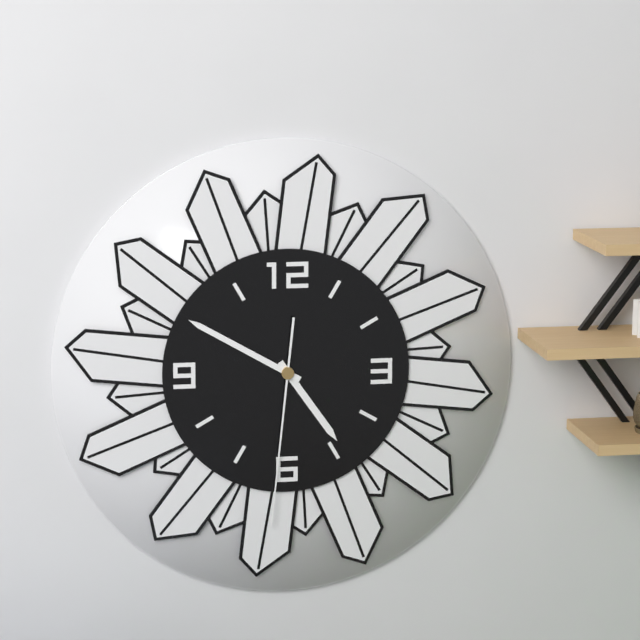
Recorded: 4.50.31
